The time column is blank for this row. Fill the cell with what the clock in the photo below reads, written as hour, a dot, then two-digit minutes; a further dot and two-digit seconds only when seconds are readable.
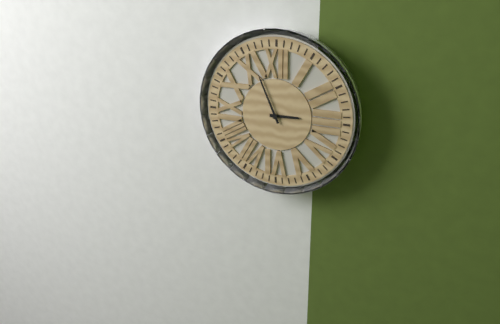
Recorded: 2.56
